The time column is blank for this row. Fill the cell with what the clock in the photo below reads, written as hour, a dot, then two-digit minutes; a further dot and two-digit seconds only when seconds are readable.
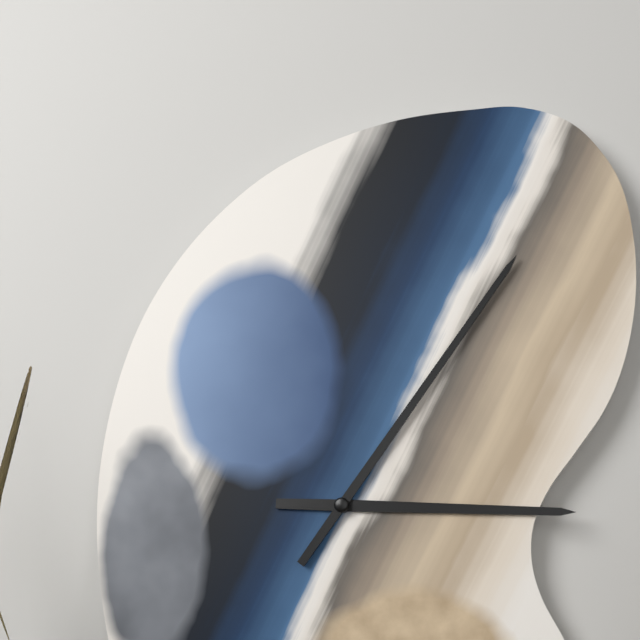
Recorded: 3.06
